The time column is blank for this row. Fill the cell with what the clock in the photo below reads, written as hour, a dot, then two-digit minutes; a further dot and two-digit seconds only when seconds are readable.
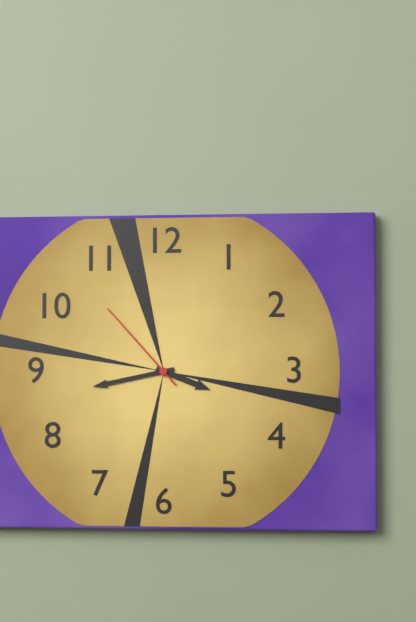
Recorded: 3.43.53
